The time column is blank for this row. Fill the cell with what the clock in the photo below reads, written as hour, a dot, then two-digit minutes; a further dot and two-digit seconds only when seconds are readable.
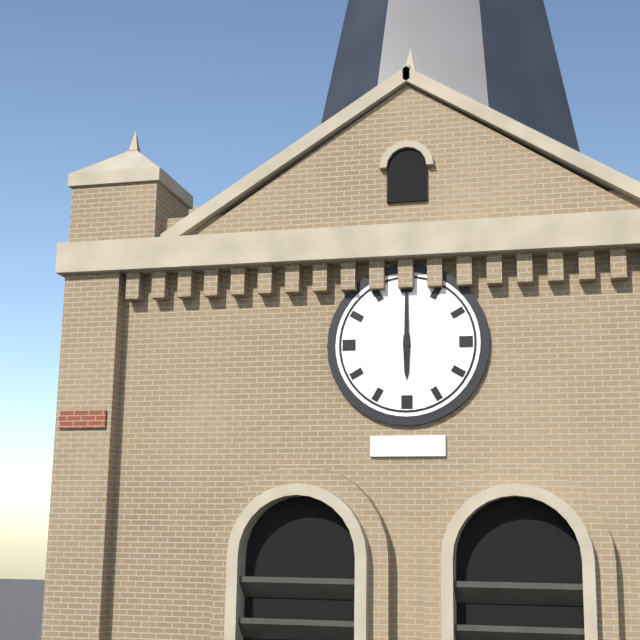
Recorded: 6.00
